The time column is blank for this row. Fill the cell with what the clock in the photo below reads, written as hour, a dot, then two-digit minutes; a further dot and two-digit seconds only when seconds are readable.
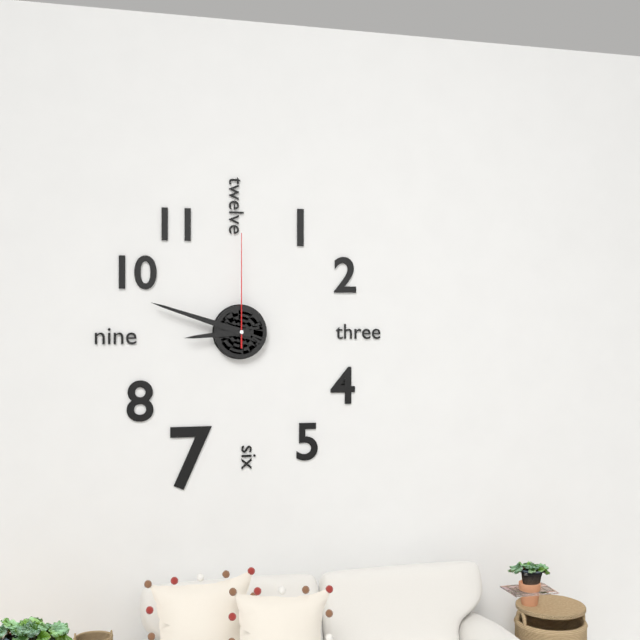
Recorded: 8.48.00
